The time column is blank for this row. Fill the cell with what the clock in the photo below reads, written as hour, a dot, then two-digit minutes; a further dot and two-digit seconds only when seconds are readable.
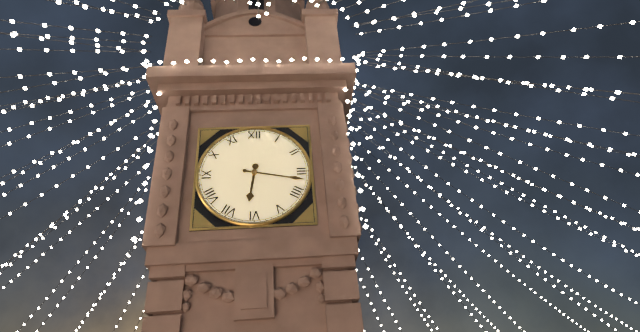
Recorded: 6.17
